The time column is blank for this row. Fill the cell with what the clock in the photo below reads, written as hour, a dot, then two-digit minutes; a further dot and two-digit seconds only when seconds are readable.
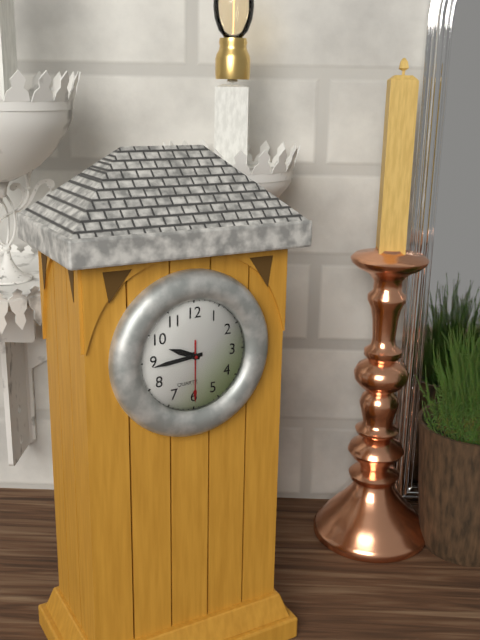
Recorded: 9.44.30
